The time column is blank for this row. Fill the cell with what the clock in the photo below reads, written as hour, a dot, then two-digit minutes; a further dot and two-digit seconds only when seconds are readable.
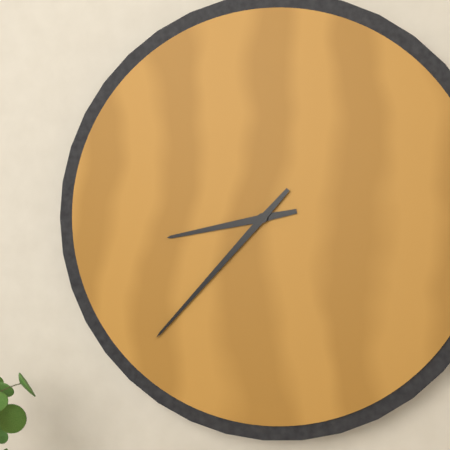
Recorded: 8.37
